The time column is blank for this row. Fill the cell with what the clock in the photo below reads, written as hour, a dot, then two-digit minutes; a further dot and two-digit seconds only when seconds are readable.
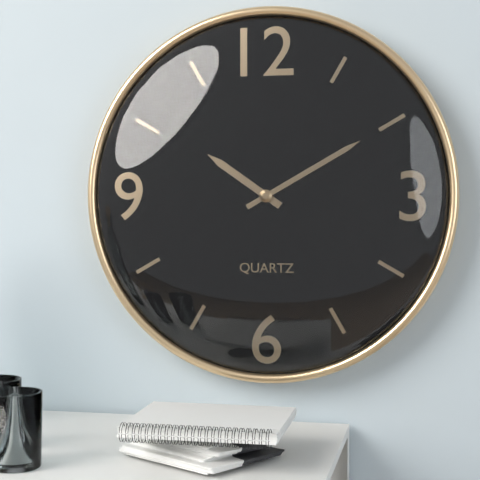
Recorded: 10.10
